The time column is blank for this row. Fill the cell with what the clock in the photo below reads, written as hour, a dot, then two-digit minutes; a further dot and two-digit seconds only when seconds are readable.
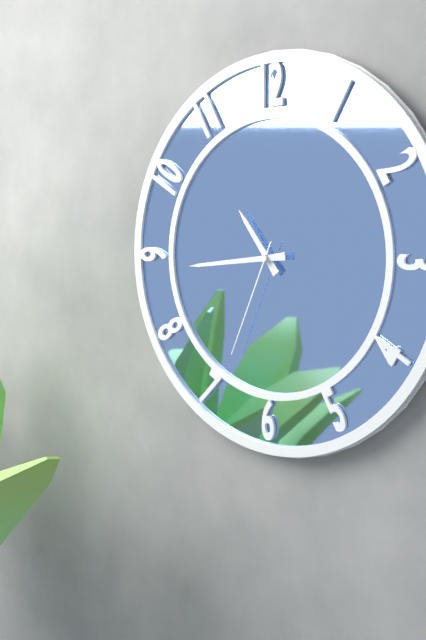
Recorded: 10.44.34
